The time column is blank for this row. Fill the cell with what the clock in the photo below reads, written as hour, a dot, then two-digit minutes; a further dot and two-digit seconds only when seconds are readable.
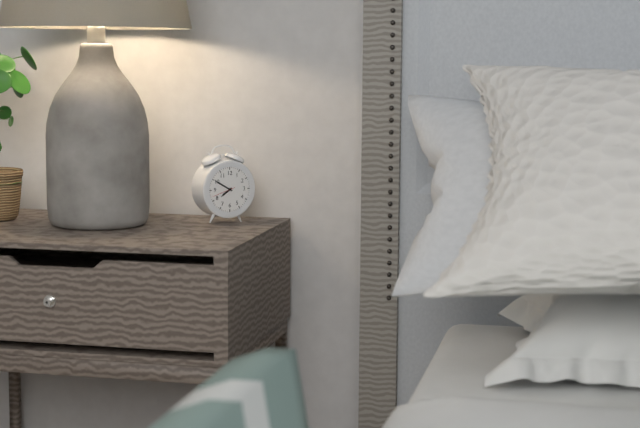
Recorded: 7.50
